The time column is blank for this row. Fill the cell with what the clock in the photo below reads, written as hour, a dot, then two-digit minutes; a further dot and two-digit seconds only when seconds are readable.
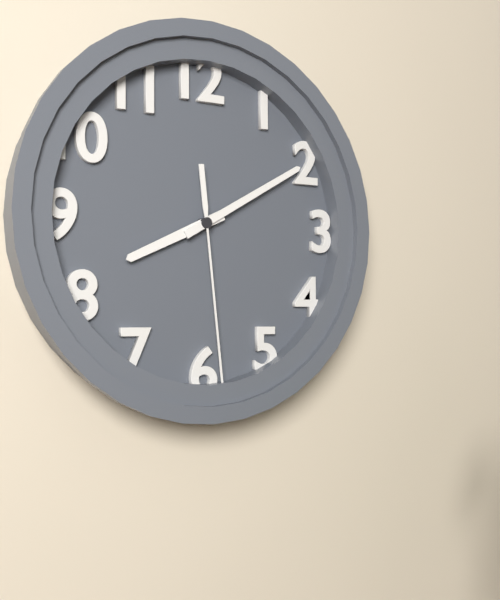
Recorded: 8.10.29
